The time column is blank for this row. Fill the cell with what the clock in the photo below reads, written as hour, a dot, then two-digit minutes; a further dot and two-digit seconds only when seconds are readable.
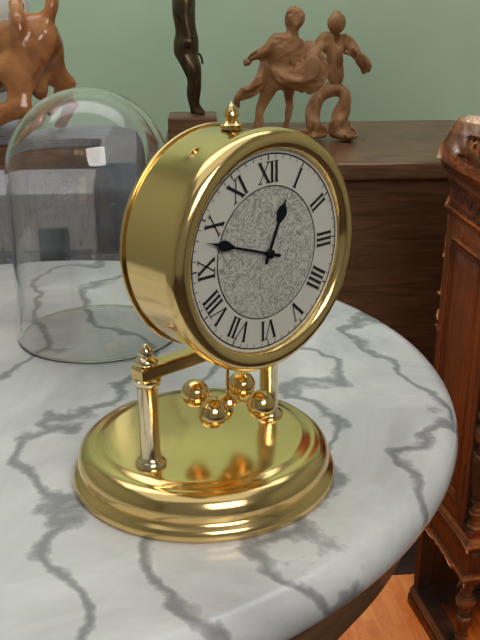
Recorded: 12.48
